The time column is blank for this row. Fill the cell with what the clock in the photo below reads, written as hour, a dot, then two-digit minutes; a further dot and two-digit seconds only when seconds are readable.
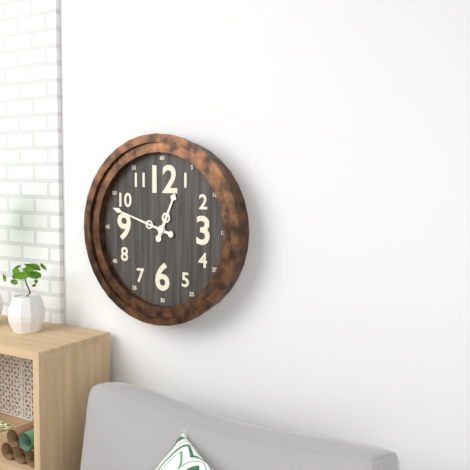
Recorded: 12.48
